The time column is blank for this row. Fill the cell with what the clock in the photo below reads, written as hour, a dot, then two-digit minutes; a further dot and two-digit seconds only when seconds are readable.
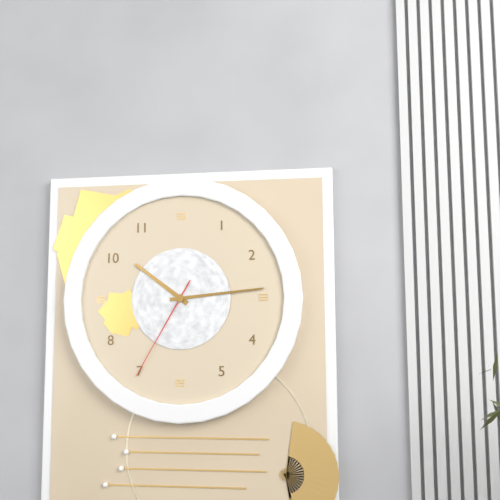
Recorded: 10.14.35
